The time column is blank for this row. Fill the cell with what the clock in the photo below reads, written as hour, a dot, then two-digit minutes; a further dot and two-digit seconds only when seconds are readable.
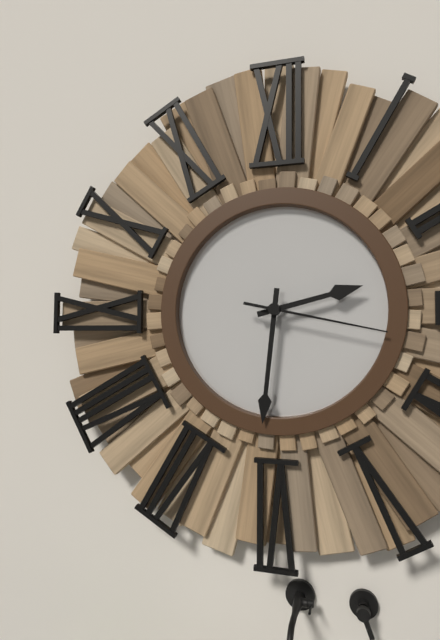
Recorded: 2.31.17
